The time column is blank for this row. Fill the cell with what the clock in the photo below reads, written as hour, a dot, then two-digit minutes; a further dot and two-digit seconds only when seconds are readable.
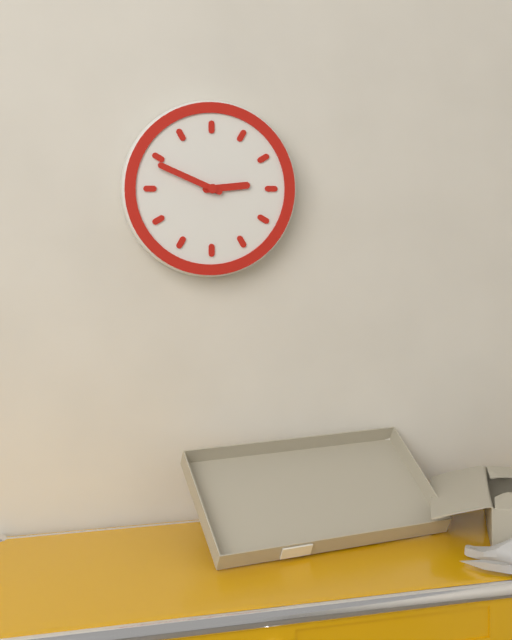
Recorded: 2.49
